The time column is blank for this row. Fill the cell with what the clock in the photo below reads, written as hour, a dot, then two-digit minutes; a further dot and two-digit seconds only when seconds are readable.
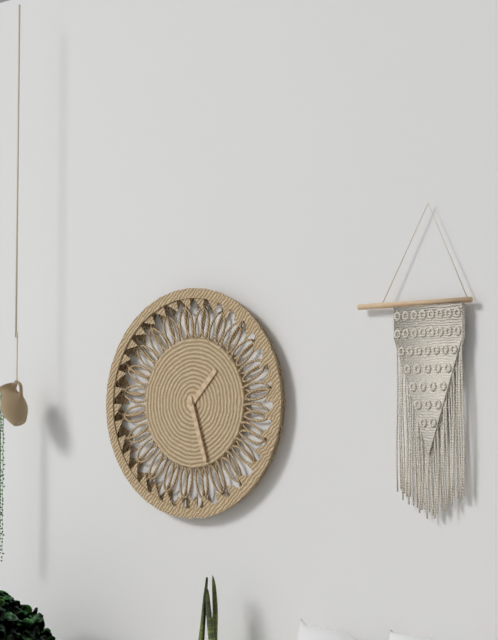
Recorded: 1.27
